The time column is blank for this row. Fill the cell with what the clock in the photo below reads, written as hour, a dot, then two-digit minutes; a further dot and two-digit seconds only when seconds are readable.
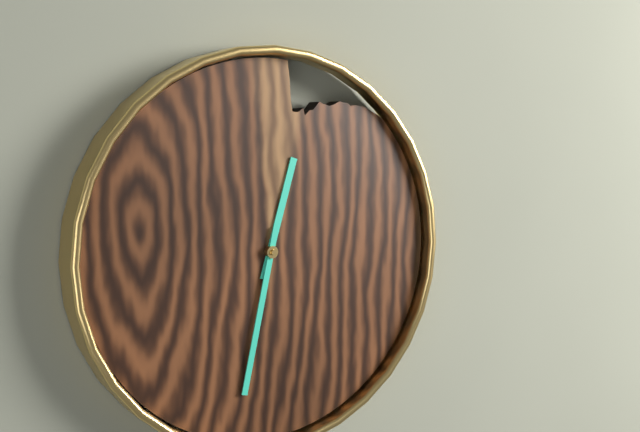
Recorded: 12.32
